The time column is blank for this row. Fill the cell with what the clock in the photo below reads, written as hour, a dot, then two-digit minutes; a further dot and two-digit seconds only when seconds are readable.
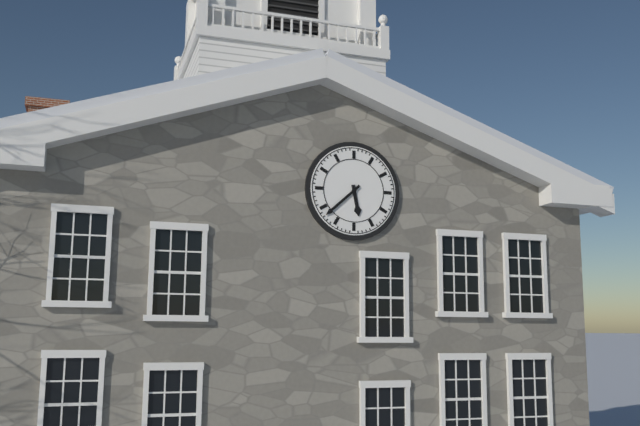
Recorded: 5.38
